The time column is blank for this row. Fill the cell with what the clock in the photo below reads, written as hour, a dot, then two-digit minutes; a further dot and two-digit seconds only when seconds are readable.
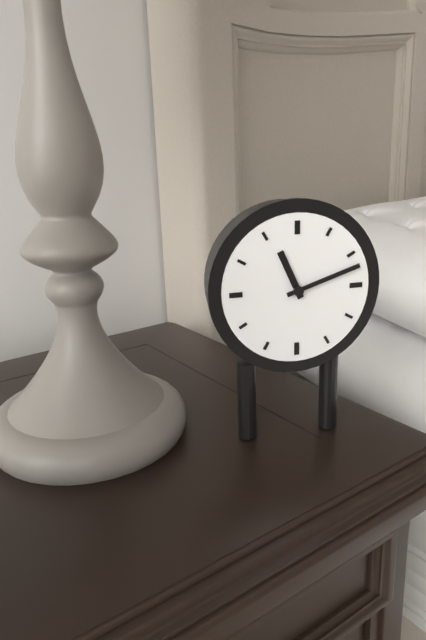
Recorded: 11.12
